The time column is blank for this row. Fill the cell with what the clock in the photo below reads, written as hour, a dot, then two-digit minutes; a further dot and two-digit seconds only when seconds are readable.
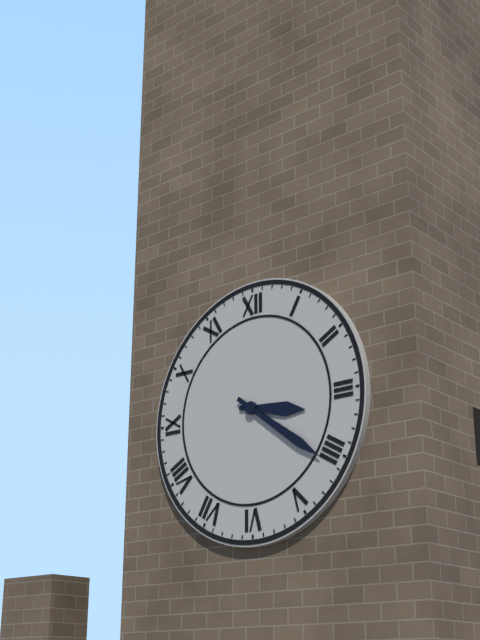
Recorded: 3.21
